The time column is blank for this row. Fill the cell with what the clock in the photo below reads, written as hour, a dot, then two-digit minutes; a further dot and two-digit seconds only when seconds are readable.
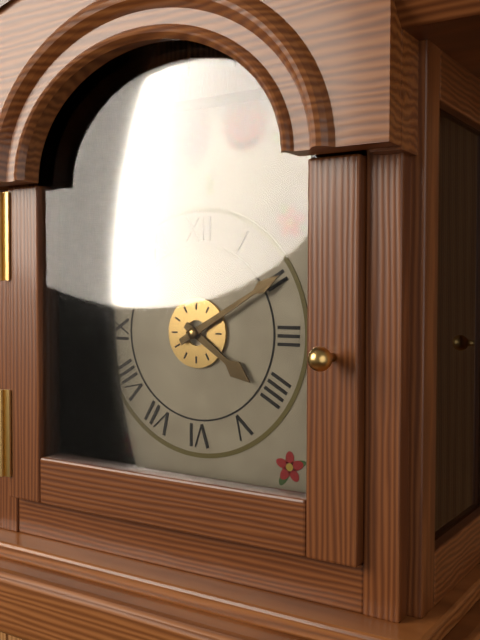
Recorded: 4.10
